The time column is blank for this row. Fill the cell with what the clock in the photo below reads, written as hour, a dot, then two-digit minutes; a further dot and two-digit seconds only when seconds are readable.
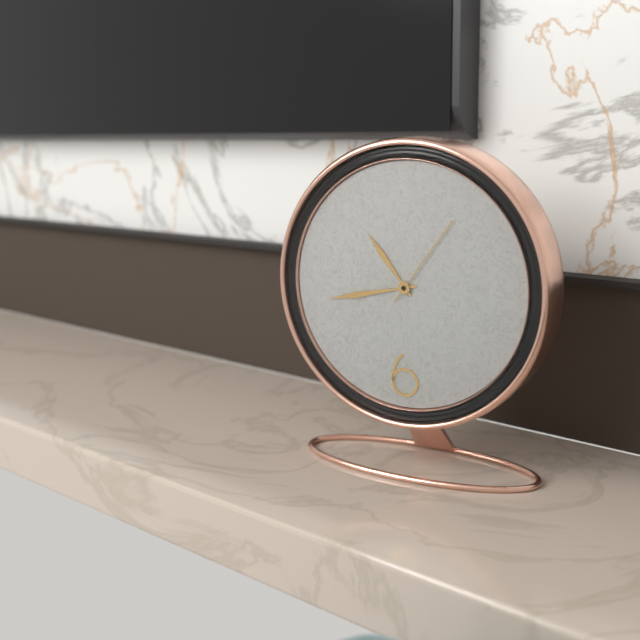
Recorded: 10.43.06
